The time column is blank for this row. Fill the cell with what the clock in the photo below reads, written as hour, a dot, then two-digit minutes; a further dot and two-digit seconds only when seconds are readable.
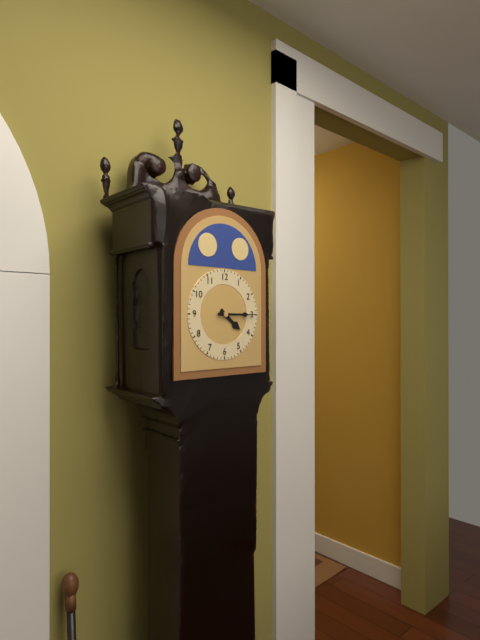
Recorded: 4.15
